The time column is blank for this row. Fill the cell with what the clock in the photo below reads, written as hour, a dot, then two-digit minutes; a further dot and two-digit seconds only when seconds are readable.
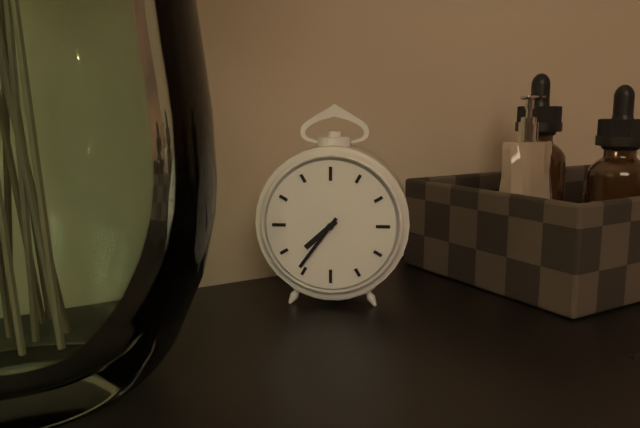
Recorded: 7.36
